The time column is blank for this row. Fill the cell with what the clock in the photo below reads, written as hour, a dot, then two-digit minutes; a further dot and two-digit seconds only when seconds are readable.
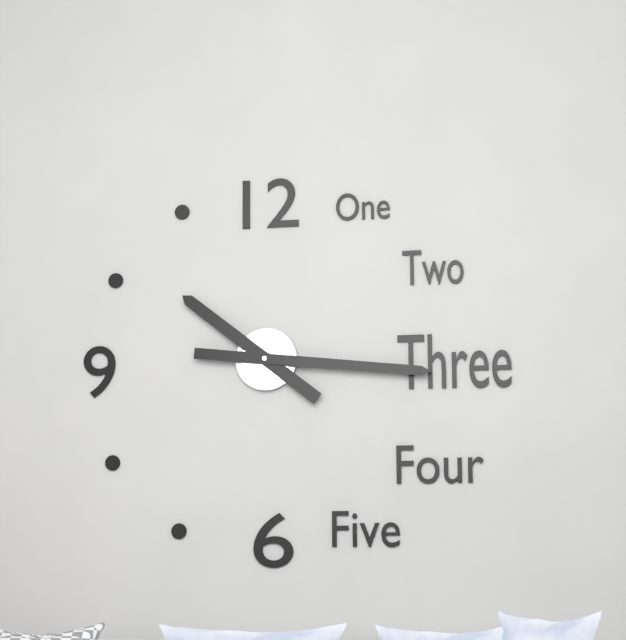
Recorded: 10.16
